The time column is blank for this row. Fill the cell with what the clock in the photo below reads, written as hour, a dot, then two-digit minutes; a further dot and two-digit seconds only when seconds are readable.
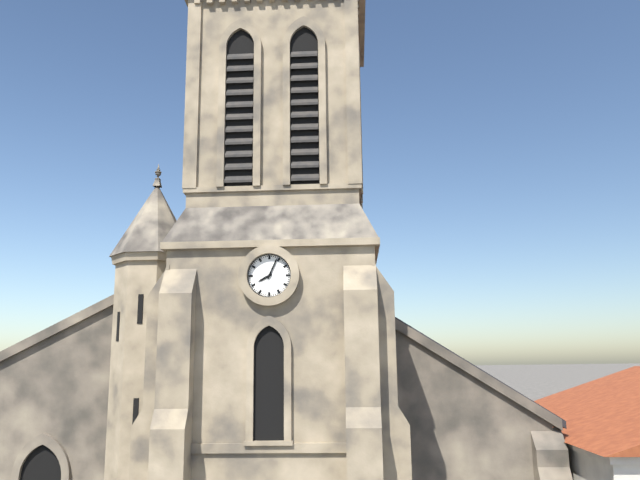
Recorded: 8.04
